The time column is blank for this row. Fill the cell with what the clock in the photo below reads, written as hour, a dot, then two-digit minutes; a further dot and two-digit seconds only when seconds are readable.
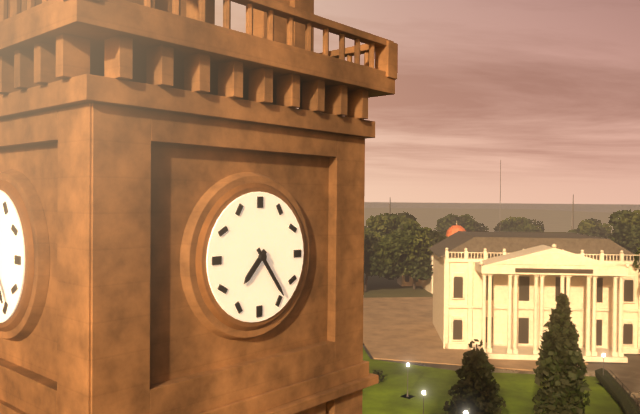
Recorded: 7.24
